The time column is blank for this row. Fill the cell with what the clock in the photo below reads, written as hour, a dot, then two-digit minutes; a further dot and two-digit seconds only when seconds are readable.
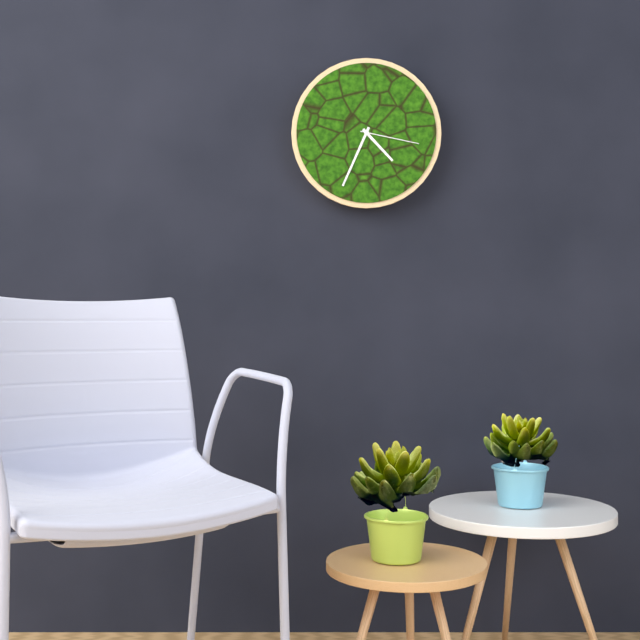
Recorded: 4.34.17
